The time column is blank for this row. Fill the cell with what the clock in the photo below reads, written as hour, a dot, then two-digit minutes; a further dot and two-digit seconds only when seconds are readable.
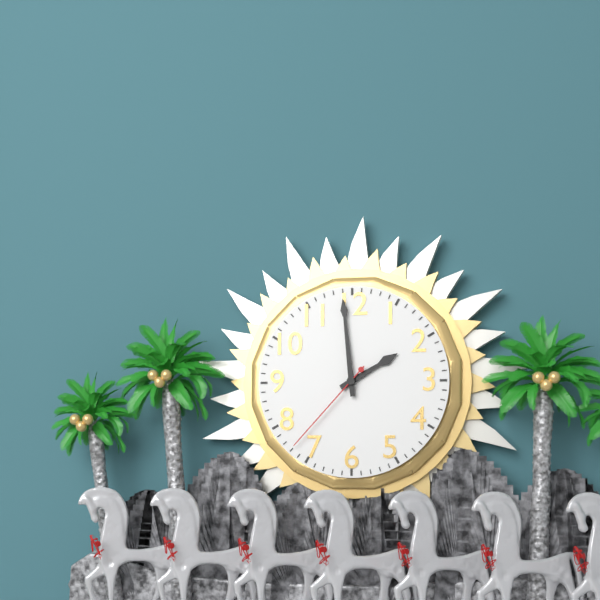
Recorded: 1.59.37
